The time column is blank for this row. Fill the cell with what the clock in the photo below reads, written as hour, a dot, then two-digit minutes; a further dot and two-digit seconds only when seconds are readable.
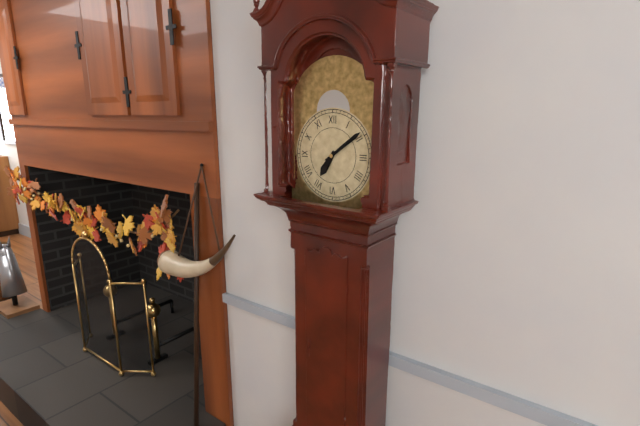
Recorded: 7.09
